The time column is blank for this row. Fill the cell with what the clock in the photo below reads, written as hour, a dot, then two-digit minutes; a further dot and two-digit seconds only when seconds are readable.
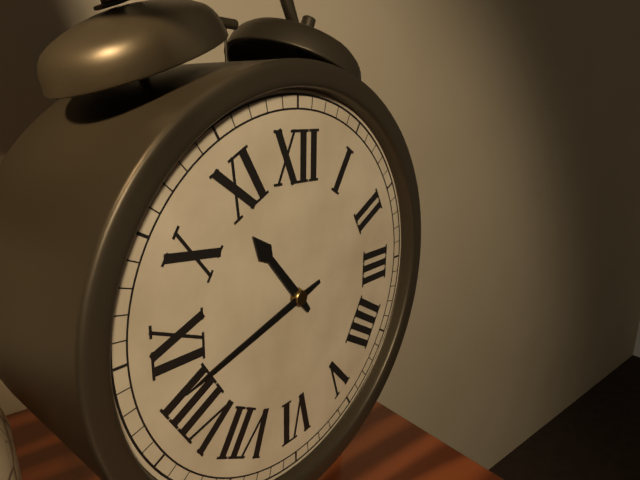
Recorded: 10.42
